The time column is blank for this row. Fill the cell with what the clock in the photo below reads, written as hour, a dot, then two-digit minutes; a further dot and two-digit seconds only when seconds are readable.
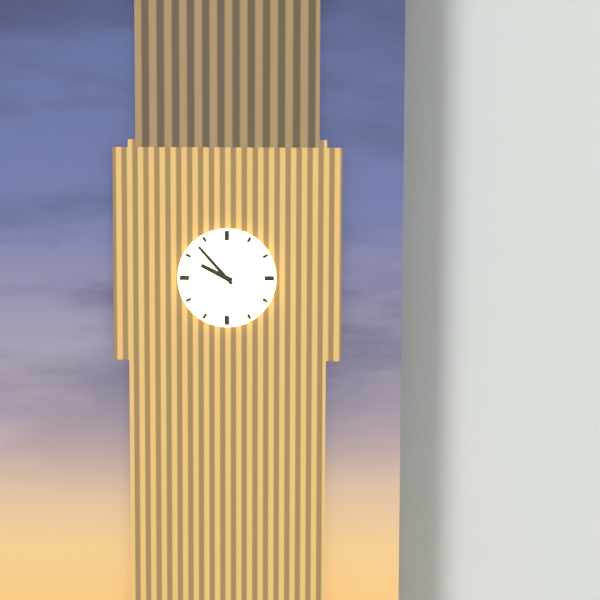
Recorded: 9.53
